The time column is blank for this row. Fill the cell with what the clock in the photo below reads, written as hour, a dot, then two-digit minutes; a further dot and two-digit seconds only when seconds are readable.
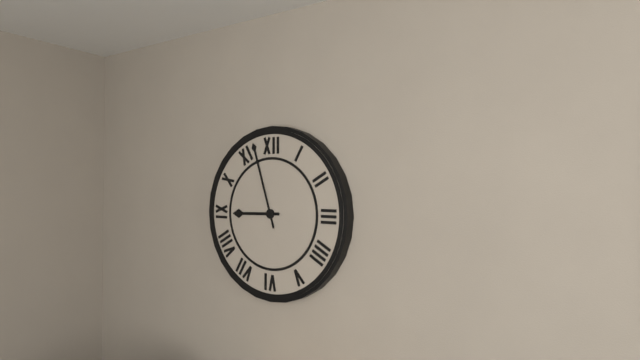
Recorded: 8.57
